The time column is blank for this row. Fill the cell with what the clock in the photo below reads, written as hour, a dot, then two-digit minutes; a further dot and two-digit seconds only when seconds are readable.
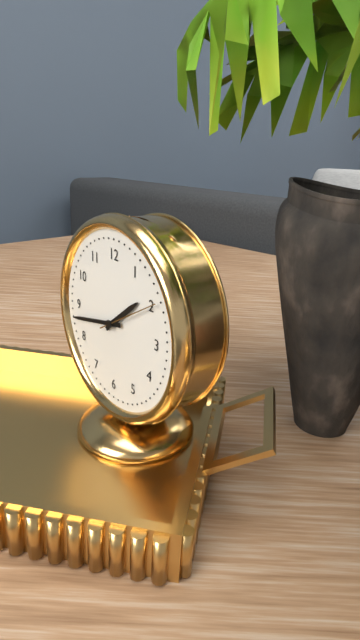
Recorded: 1.43.10
